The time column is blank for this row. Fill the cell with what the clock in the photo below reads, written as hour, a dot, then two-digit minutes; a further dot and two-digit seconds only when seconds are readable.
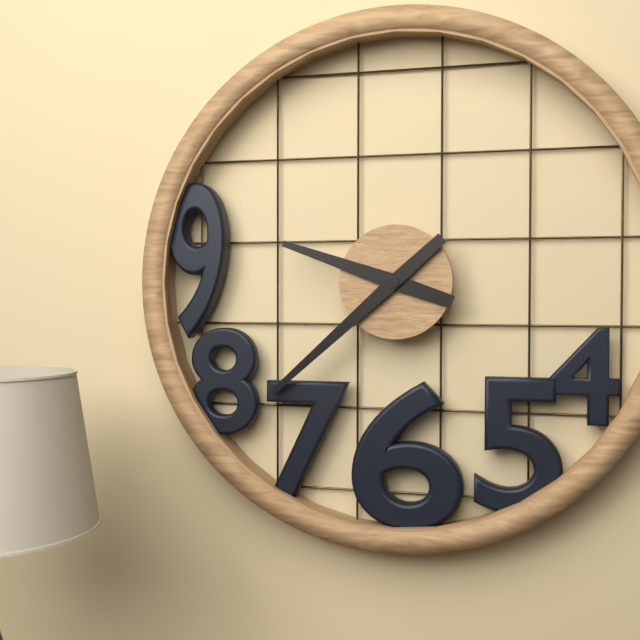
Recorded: 9.38
